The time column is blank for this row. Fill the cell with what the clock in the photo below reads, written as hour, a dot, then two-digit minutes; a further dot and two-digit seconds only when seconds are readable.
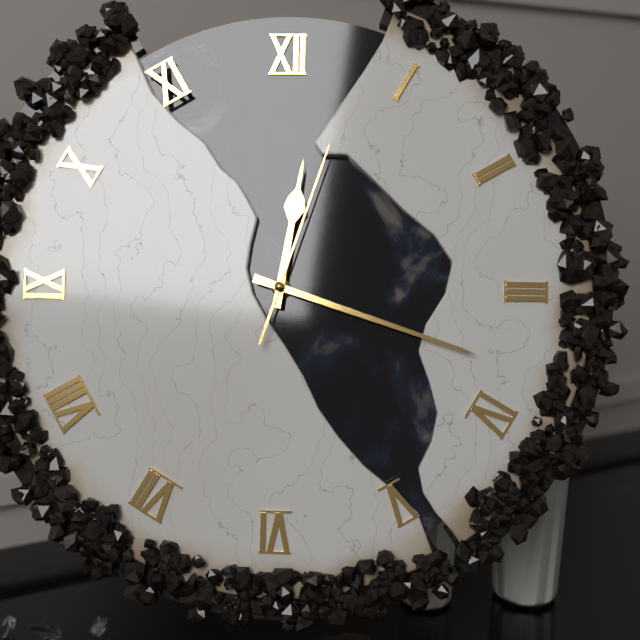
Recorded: 12.18.03
